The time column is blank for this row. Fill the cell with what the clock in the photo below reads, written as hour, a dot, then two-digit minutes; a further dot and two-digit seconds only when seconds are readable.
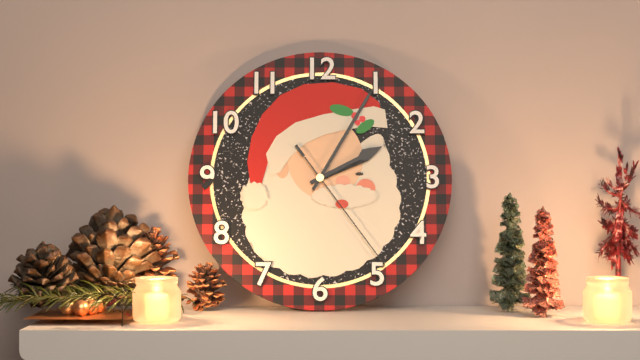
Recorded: 2.05.24
